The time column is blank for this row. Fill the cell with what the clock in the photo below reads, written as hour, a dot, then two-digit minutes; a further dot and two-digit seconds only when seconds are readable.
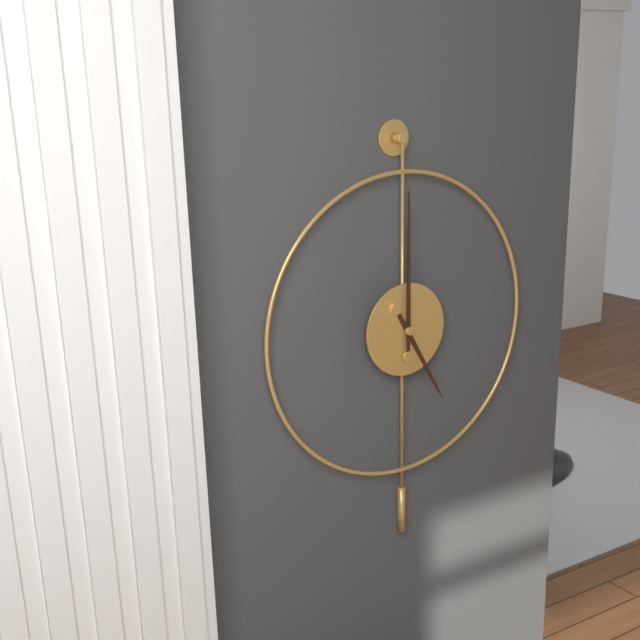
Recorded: 5.00
